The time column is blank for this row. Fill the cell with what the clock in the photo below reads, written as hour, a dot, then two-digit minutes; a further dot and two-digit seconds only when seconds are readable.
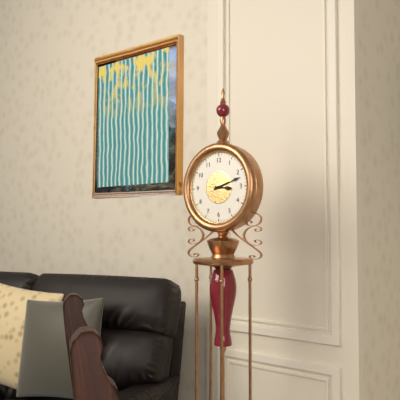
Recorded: 3.12
